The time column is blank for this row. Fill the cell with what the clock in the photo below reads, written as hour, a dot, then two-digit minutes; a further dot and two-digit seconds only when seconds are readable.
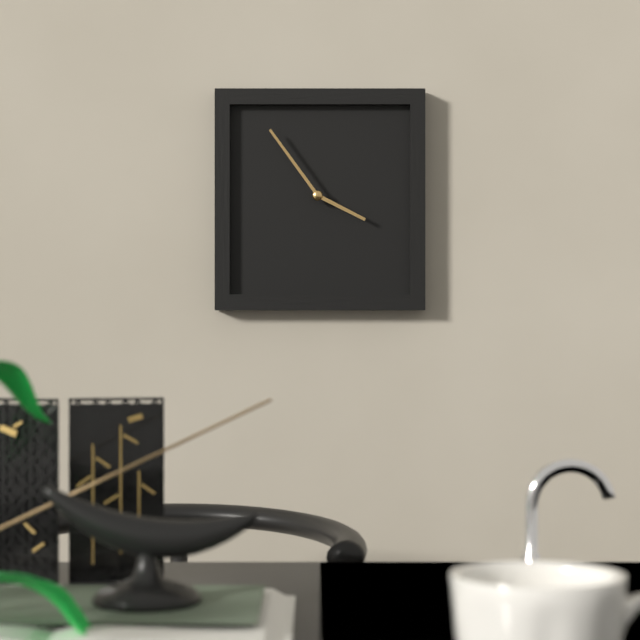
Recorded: 3.54
